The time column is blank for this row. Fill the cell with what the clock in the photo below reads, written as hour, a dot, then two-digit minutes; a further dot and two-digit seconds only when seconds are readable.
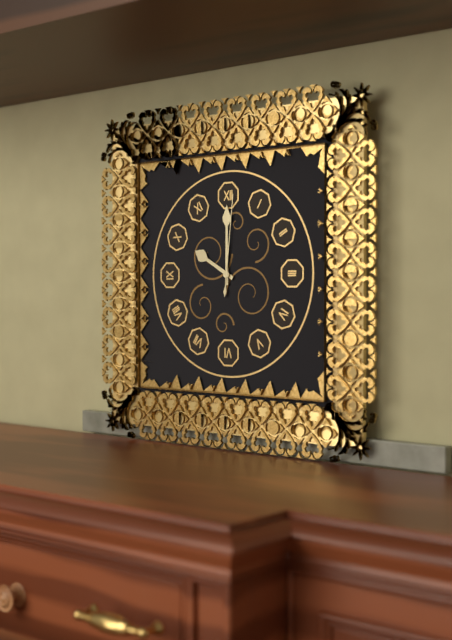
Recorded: 10.00.01
